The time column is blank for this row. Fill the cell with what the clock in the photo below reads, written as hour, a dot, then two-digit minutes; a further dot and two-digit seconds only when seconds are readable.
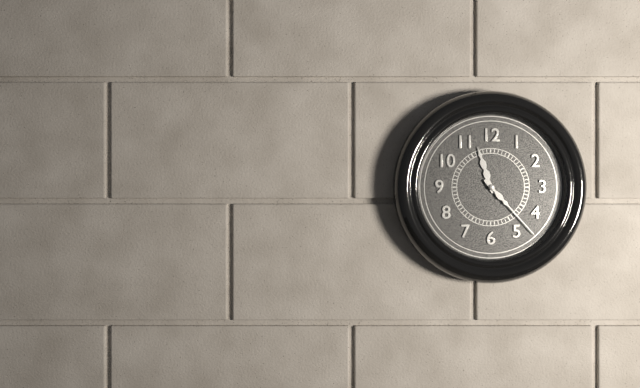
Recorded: 11.23
